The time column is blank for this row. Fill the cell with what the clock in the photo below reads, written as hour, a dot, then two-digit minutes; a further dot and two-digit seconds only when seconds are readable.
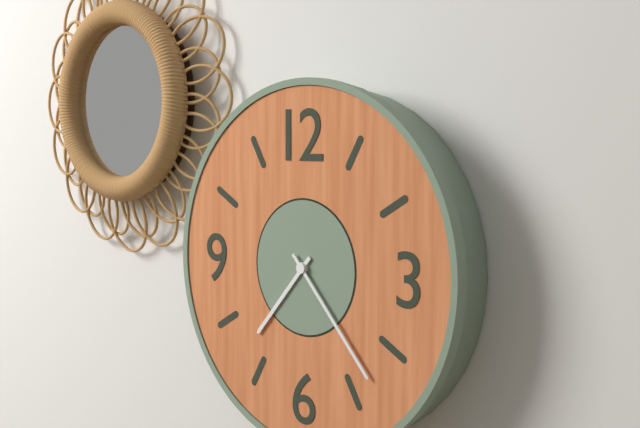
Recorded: 7.23
